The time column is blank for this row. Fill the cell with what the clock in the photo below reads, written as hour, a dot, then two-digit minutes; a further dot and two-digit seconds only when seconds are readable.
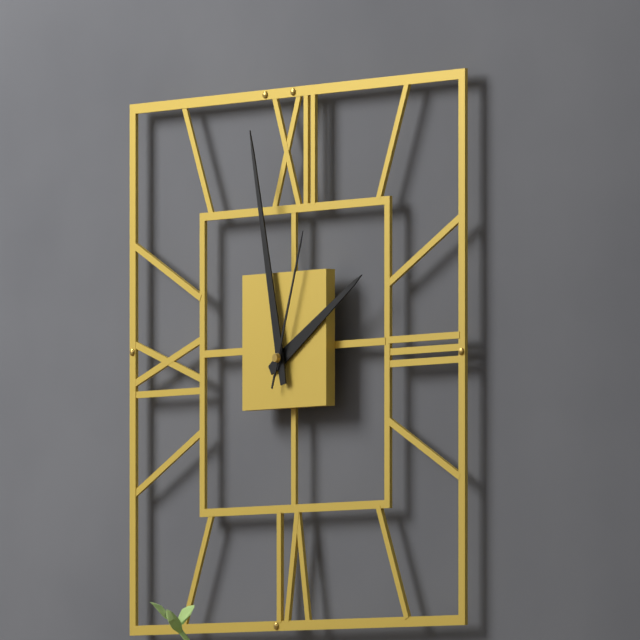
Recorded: 1.58.03
